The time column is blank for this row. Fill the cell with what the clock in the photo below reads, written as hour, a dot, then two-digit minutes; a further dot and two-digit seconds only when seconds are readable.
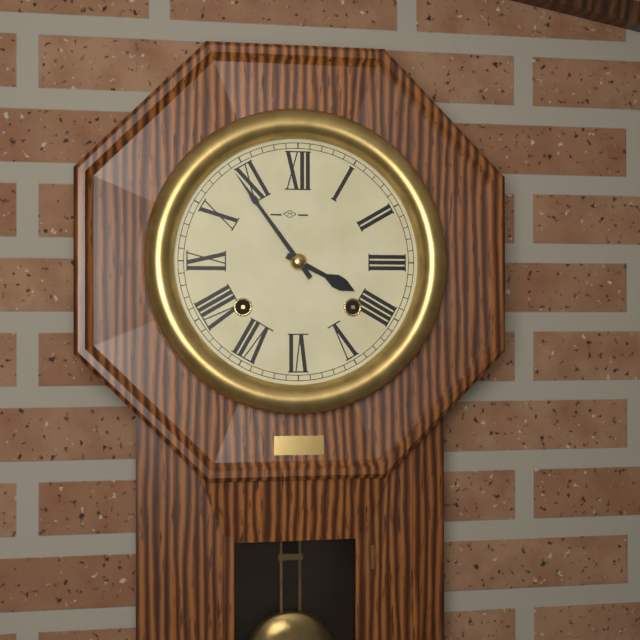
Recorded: 3.54
